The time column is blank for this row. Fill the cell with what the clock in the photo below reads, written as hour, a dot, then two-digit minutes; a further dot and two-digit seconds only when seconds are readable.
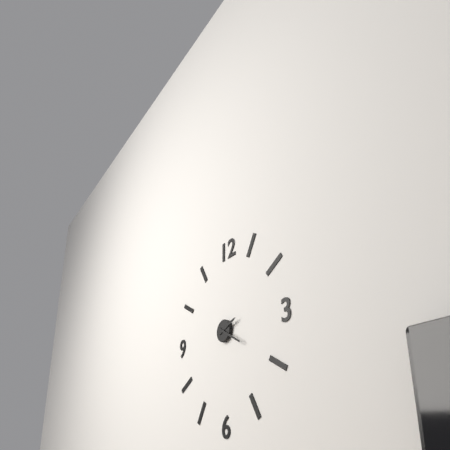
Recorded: 2.20
